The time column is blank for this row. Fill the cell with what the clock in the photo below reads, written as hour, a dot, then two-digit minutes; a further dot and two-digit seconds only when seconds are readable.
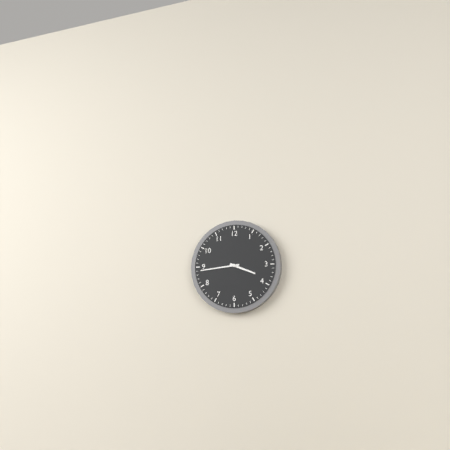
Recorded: 3.44
